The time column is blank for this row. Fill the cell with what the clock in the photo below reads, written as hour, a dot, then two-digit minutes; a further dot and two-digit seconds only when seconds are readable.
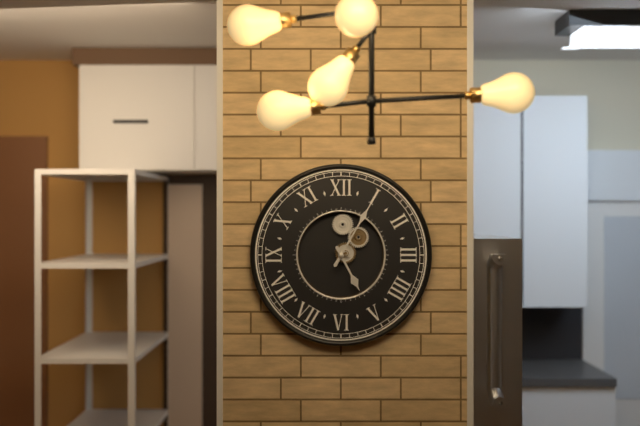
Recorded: 5.05
